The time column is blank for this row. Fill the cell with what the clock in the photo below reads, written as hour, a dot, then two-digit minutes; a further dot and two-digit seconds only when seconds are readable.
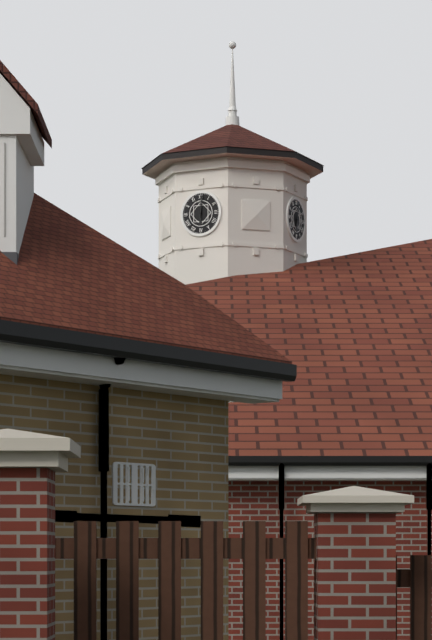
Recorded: 6.01
